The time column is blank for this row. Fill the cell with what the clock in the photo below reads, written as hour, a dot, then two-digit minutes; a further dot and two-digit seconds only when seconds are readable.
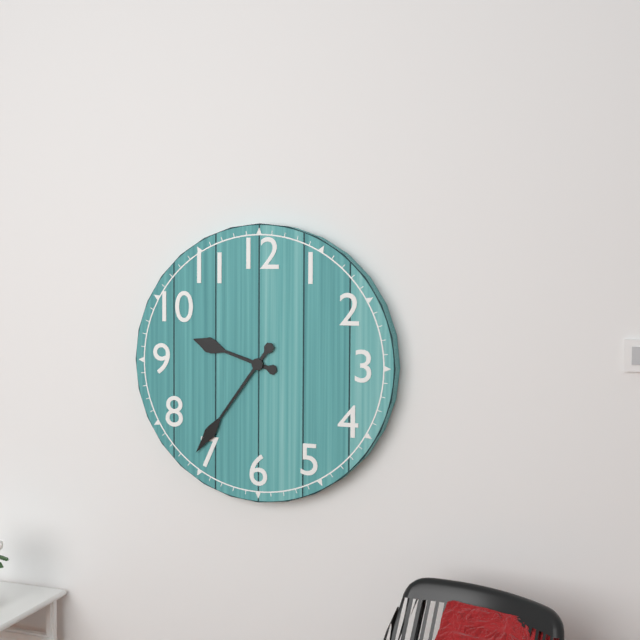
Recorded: 9.36
